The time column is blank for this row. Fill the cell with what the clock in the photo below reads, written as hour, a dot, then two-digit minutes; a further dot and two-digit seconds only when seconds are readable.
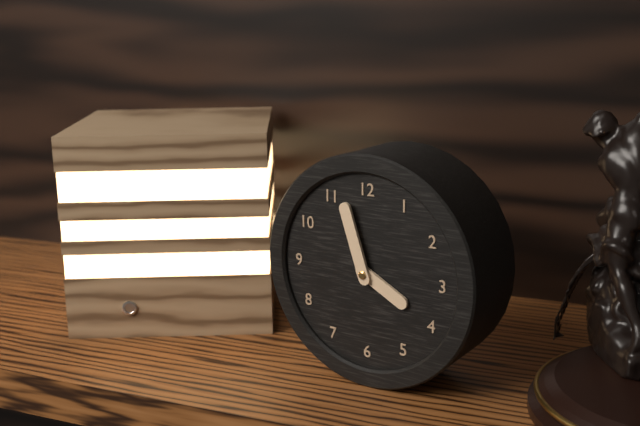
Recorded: 3.57
